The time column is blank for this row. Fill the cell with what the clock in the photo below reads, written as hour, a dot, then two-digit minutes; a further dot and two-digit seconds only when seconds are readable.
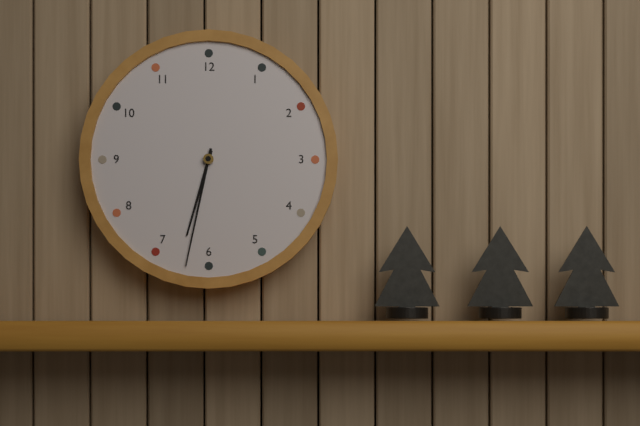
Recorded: 6.32
